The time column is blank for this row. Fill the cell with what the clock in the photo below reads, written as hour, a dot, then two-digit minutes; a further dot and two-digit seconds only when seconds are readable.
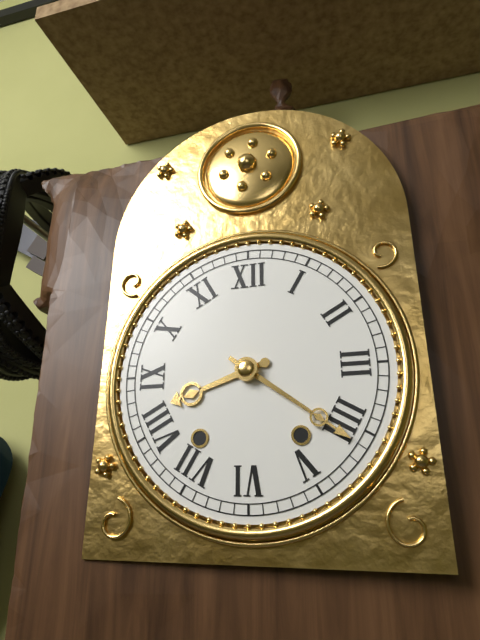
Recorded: 8.21
